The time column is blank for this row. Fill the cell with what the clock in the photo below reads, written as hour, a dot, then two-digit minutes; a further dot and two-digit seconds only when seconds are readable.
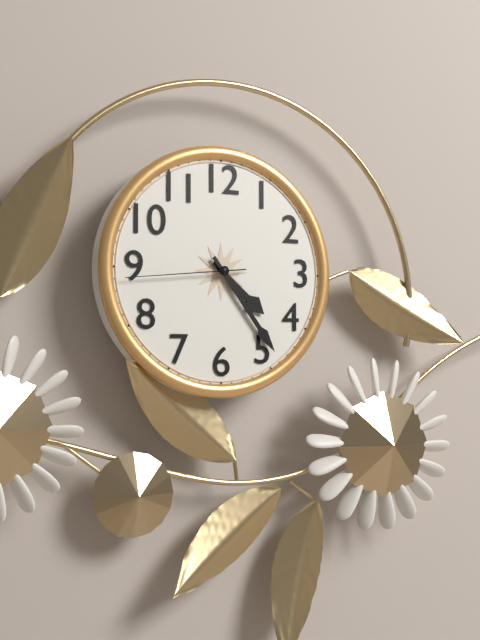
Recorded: 4.24.44
